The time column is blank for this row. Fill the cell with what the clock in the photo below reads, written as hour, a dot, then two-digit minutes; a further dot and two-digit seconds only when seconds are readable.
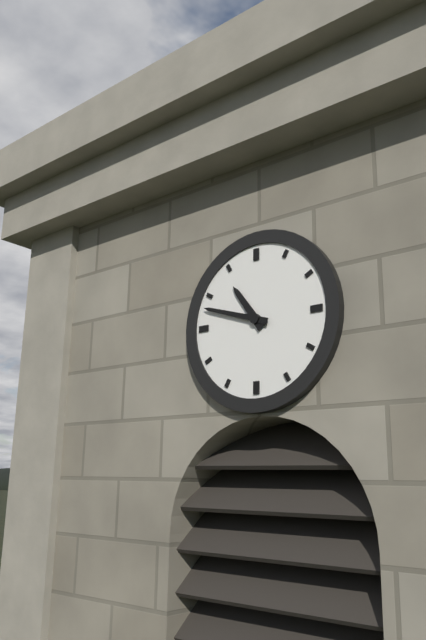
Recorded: 10.48
